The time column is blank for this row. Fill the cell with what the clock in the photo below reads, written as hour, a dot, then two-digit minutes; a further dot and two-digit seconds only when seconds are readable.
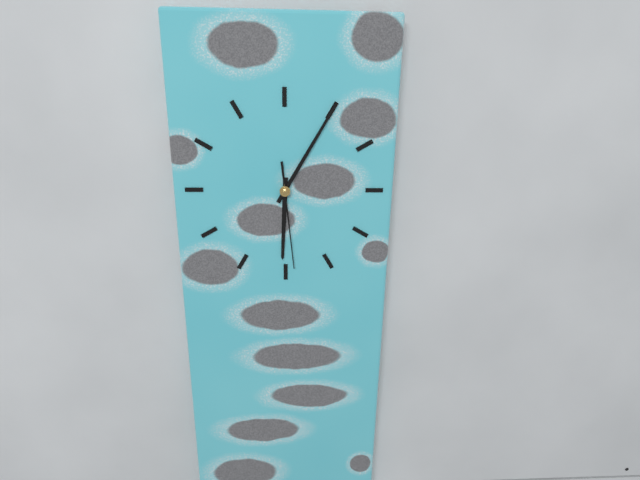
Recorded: 6.05.29
